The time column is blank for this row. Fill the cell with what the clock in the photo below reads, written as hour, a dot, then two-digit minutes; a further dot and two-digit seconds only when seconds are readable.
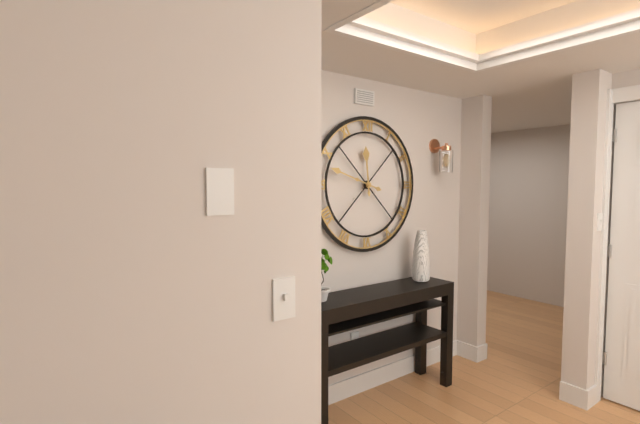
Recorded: 11.48
